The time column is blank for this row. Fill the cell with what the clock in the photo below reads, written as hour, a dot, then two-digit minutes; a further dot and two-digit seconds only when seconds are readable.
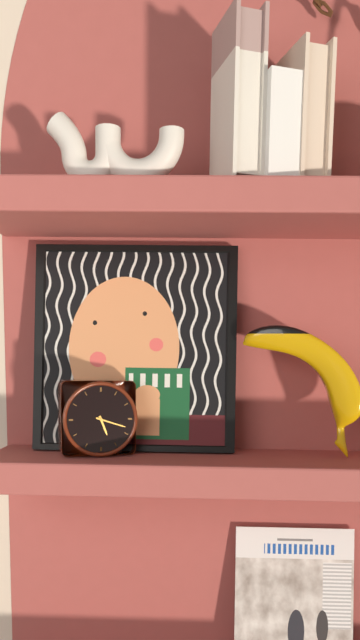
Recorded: 5.18
